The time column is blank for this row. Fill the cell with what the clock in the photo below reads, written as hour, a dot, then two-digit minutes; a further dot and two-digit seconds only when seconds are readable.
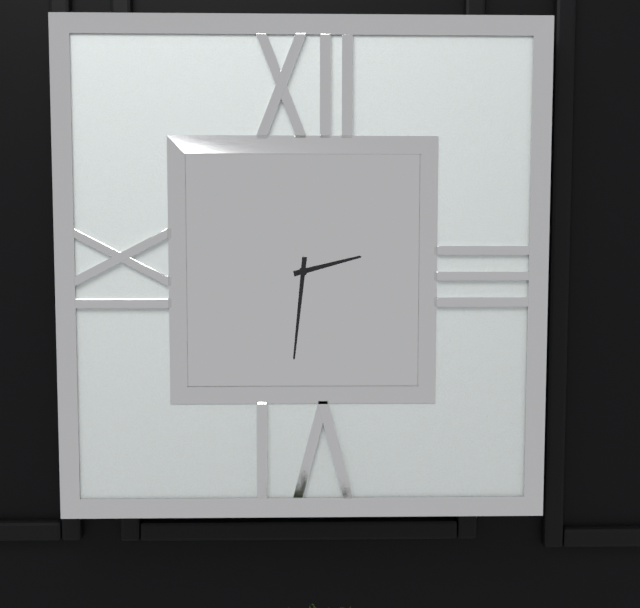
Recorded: 2.31
